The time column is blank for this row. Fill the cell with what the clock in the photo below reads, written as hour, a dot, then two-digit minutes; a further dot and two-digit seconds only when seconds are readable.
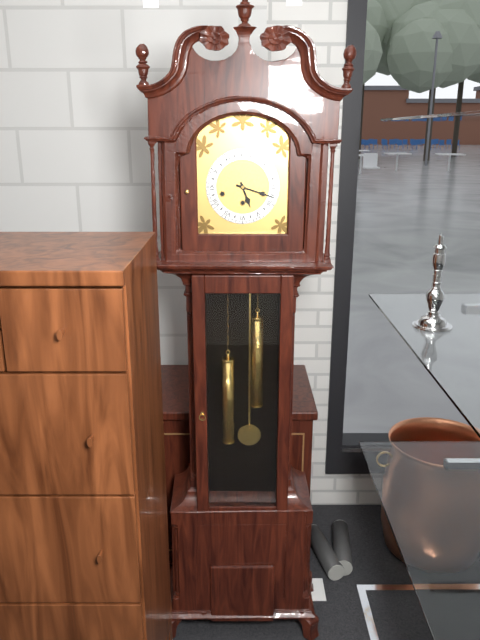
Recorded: 5.18
